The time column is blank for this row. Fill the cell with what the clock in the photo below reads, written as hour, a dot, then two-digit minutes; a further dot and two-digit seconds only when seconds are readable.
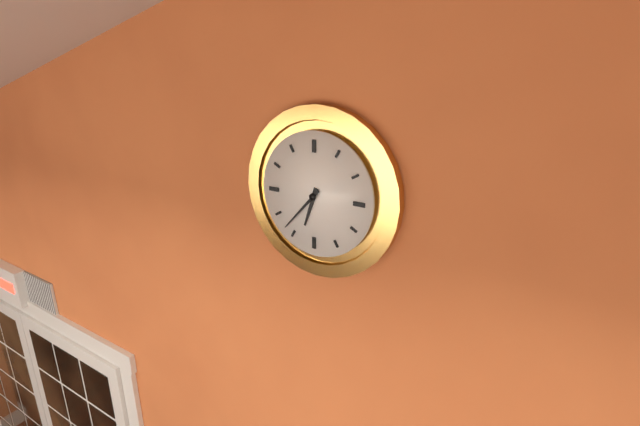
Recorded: 6.37
